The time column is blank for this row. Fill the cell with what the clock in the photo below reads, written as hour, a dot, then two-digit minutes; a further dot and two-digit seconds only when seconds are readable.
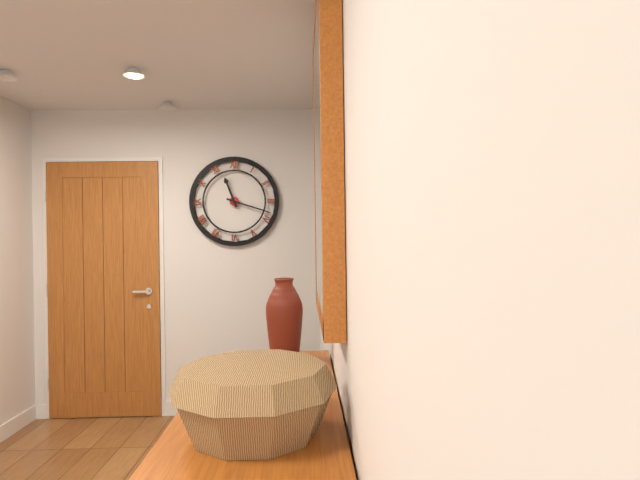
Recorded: 11.18
